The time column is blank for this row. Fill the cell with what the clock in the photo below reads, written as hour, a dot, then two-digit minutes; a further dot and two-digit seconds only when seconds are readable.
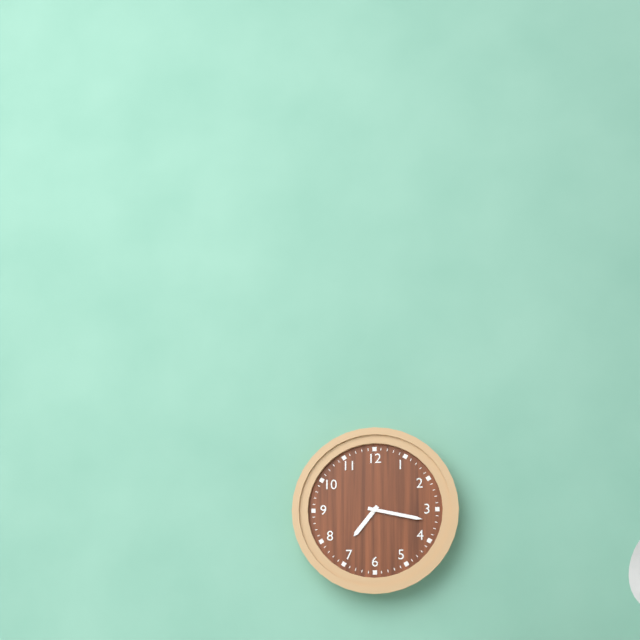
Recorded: 7.17
